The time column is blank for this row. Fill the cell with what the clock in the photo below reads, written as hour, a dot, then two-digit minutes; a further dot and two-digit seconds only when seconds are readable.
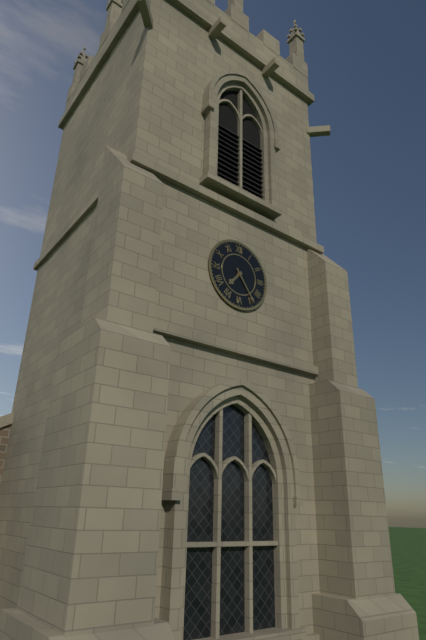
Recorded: 7.24
